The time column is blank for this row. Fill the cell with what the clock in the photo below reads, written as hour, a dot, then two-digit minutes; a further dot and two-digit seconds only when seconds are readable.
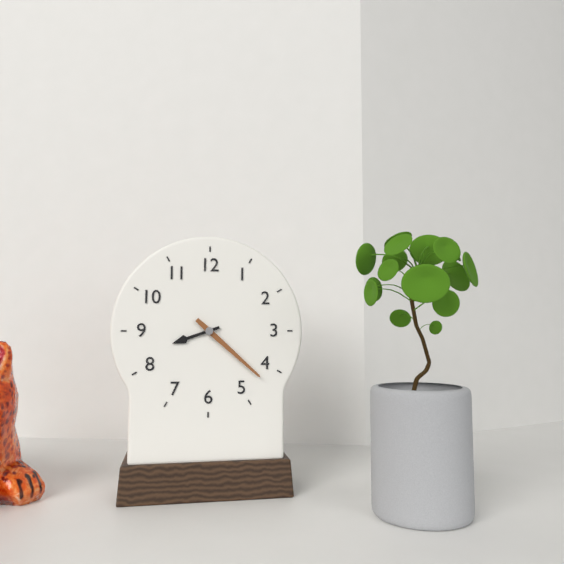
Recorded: 8.22
